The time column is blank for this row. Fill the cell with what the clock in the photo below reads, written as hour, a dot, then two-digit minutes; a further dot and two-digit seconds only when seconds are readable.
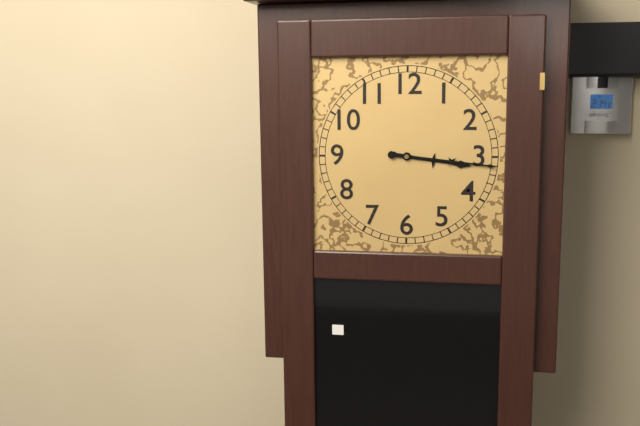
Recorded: 3.16
